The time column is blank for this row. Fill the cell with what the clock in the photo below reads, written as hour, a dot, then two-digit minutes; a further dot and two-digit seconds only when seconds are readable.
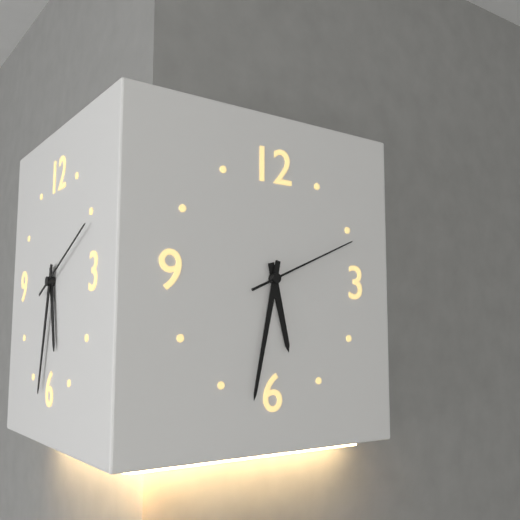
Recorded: 5.32.11
